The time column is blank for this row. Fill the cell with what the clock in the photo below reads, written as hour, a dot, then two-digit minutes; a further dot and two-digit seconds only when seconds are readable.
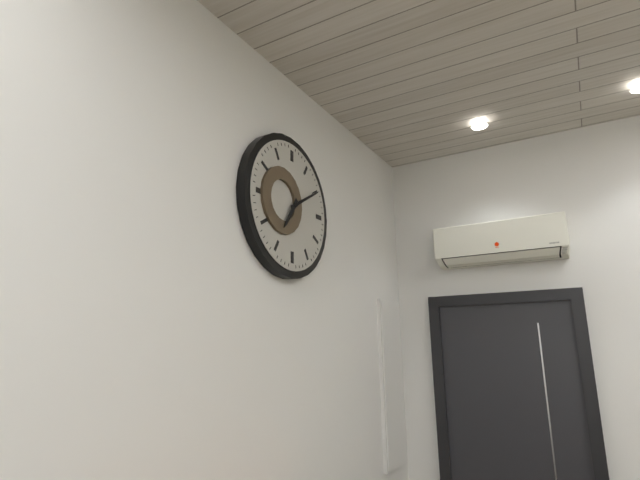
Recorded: 7.10
